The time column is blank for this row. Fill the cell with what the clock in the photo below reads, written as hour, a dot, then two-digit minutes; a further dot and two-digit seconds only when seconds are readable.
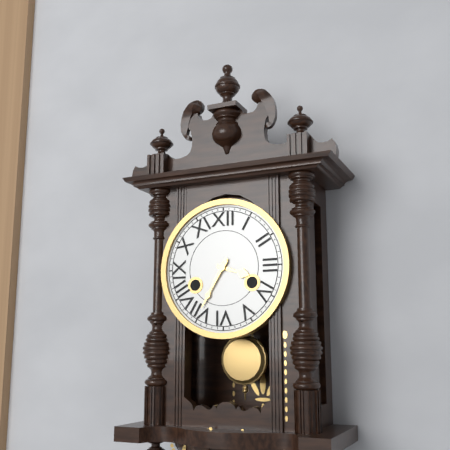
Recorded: 3.35
